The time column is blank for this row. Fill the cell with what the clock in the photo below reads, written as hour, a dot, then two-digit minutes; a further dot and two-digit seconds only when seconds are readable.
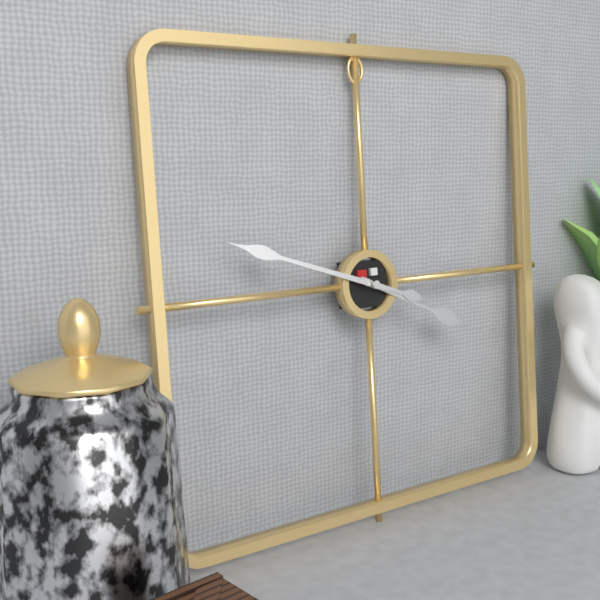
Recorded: 3.48
